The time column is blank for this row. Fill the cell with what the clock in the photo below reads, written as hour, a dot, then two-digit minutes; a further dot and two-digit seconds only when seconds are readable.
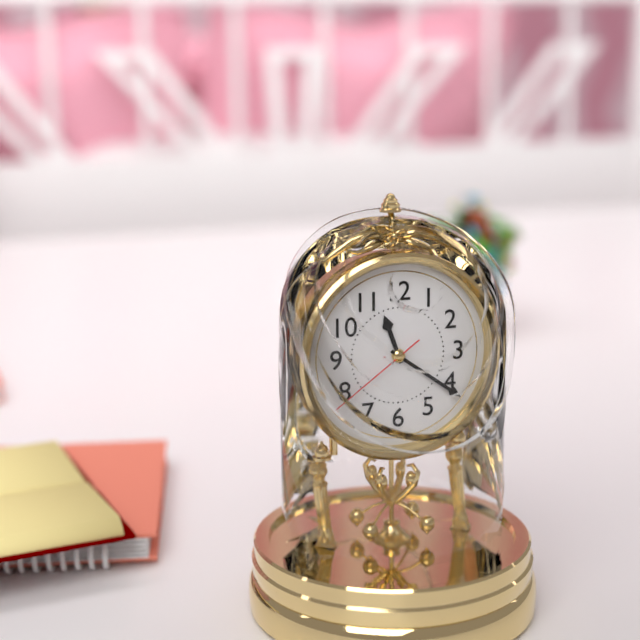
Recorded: 11.21.39
